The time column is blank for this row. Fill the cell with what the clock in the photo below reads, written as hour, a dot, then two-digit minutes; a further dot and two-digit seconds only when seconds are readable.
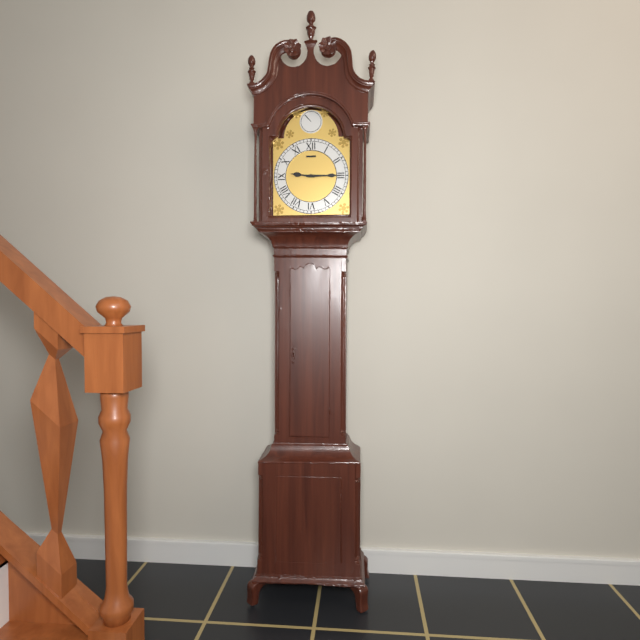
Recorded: 9.15
